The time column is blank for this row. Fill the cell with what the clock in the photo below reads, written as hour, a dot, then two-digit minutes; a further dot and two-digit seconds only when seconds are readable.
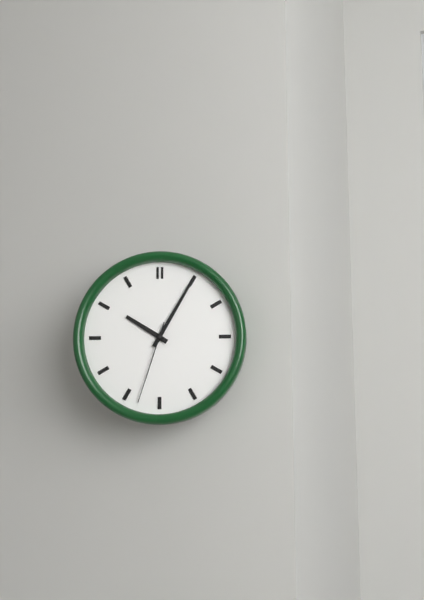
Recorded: 10.05.33
